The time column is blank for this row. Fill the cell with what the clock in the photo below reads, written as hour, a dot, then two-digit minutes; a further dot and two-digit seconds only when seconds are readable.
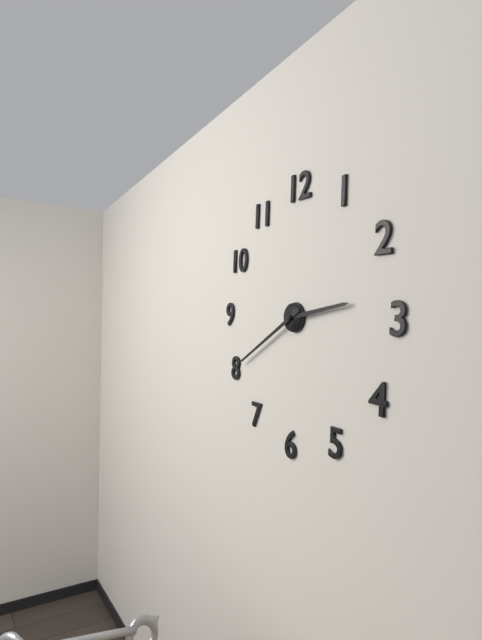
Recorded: 2.40
